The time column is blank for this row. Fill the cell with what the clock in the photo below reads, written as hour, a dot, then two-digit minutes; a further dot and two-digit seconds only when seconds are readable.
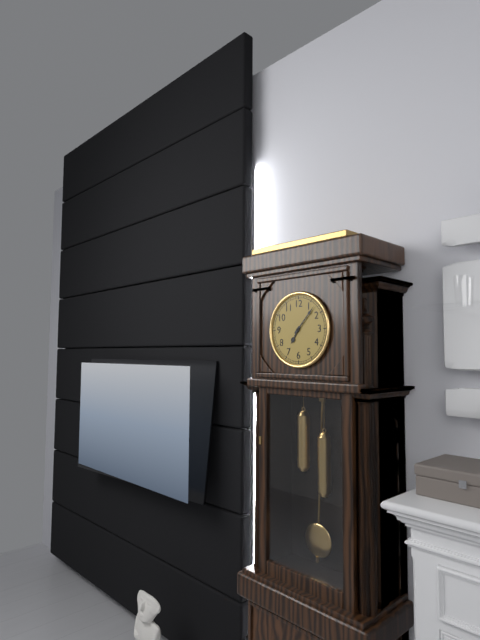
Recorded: 7.07
